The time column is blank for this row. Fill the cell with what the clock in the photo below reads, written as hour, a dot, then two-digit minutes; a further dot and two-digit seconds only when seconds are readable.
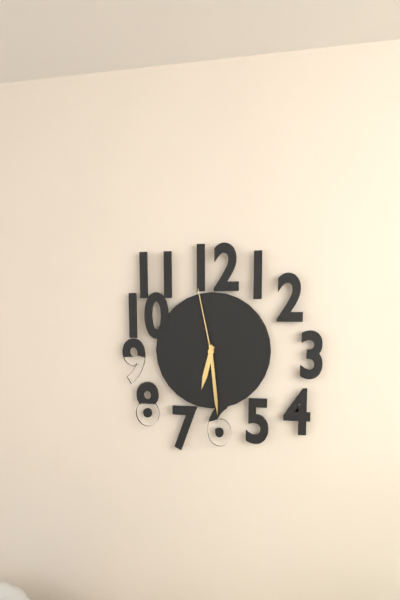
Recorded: 6.29.58
